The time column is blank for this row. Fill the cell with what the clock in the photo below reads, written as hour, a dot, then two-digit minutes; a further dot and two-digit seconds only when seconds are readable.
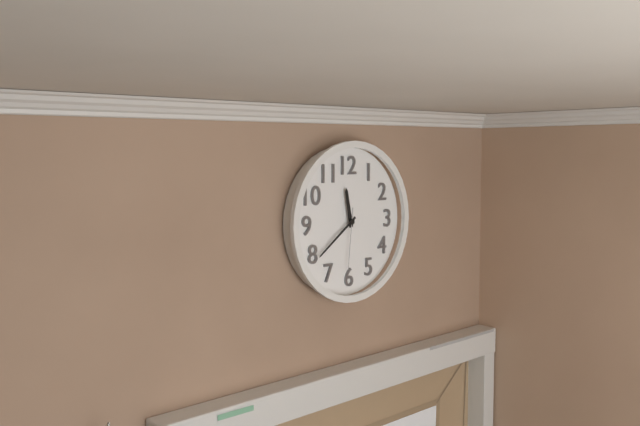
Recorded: 11.39.31
